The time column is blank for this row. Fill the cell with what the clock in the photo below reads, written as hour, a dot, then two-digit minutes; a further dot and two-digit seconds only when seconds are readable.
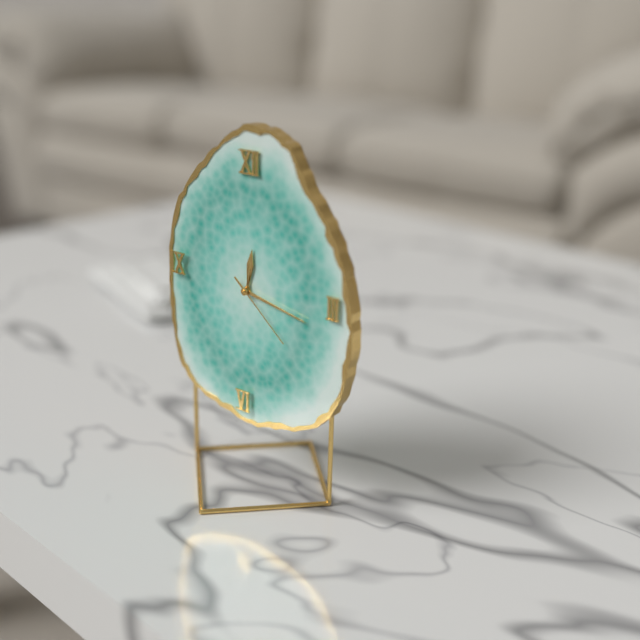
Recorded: 12.17.22
